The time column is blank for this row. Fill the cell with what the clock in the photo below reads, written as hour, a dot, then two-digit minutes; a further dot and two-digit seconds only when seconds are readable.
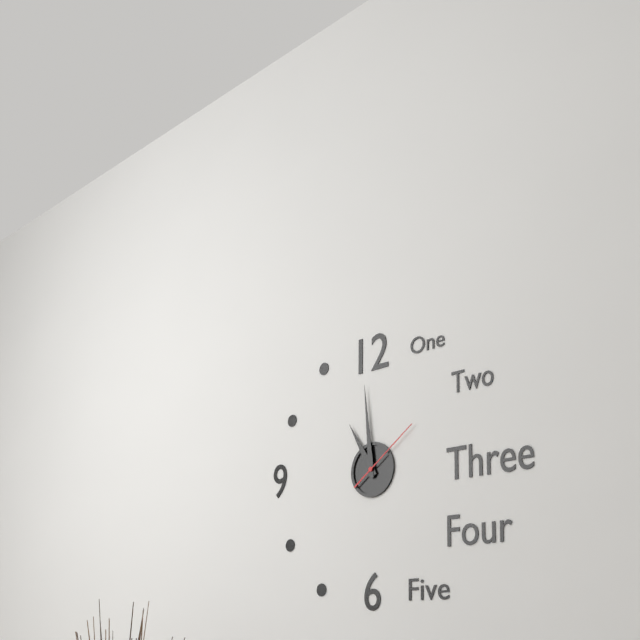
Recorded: 10.59.09
